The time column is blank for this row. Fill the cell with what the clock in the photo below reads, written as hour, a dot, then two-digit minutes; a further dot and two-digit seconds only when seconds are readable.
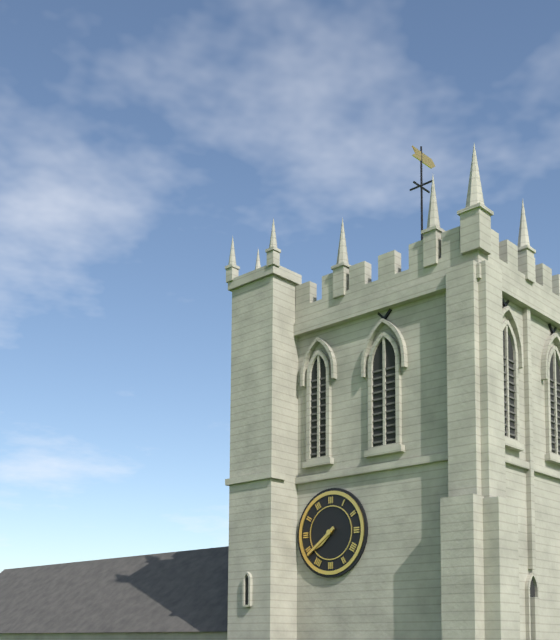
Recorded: 7.39
